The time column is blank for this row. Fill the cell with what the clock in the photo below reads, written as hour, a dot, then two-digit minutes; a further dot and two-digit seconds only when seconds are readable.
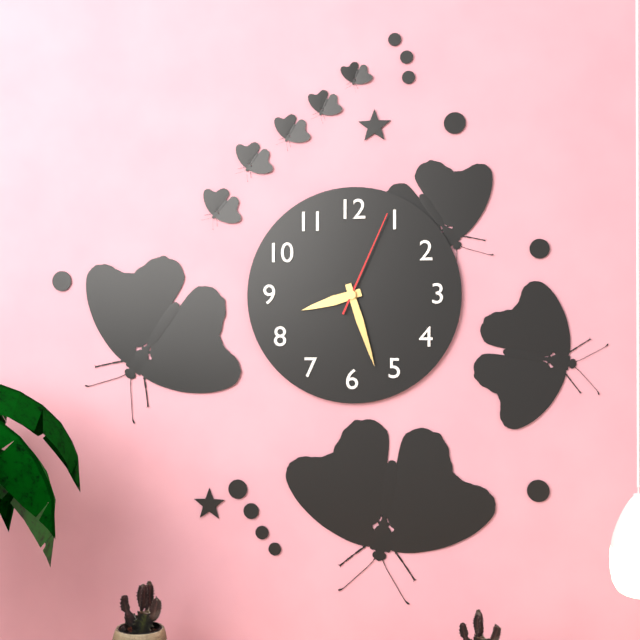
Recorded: 8.27.04
